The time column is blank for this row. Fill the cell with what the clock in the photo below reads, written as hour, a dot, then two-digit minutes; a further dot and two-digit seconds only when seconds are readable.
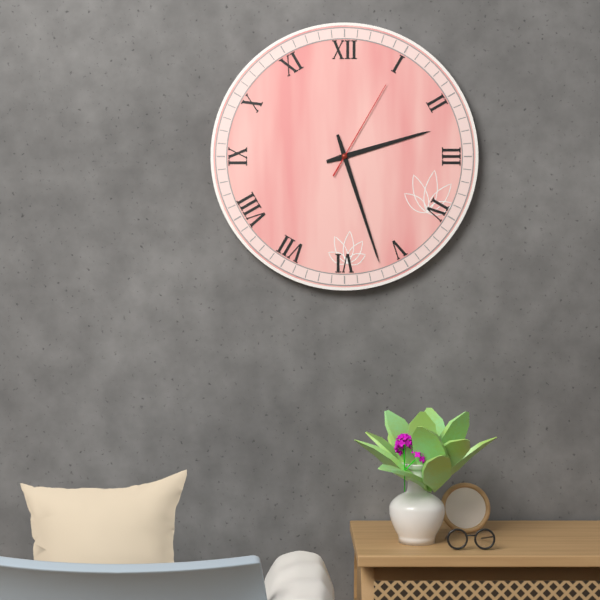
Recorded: 2.27.05
